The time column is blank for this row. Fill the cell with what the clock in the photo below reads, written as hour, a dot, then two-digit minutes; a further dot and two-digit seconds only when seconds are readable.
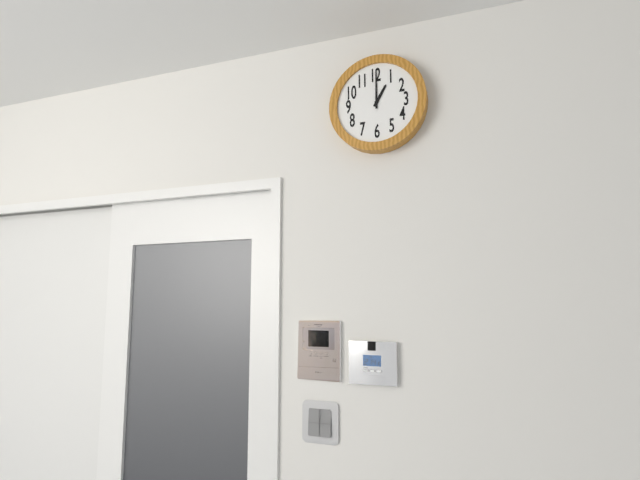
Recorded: 1.00
